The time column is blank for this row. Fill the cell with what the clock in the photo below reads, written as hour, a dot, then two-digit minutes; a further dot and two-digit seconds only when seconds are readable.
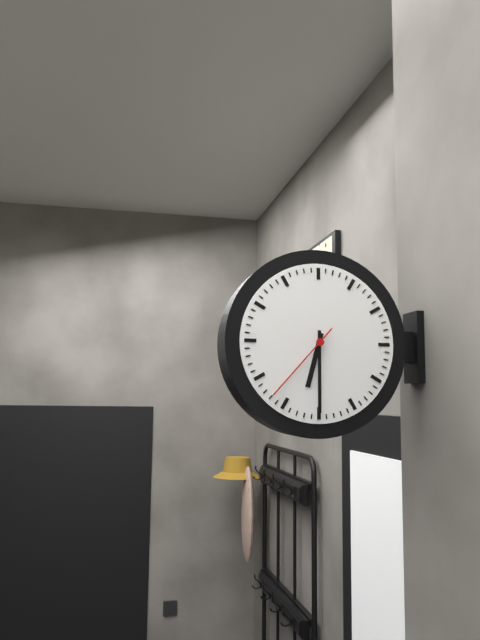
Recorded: 6.30.37
